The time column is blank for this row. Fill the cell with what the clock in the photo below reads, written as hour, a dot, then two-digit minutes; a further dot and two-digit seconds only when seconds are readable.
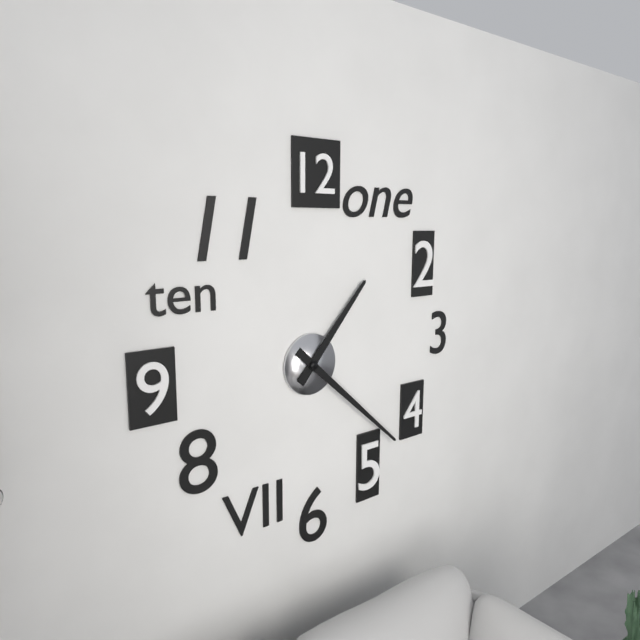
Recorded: 1.22
